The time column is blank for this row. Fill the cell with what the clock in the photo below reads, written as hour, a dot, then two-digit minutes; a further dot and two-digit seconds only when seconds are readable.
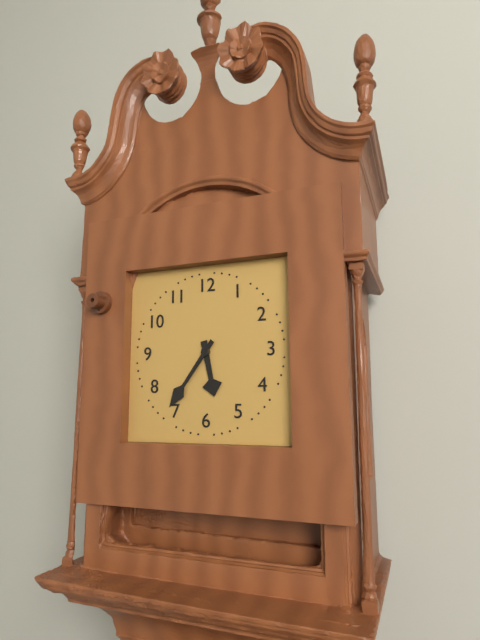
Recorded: 5.36
